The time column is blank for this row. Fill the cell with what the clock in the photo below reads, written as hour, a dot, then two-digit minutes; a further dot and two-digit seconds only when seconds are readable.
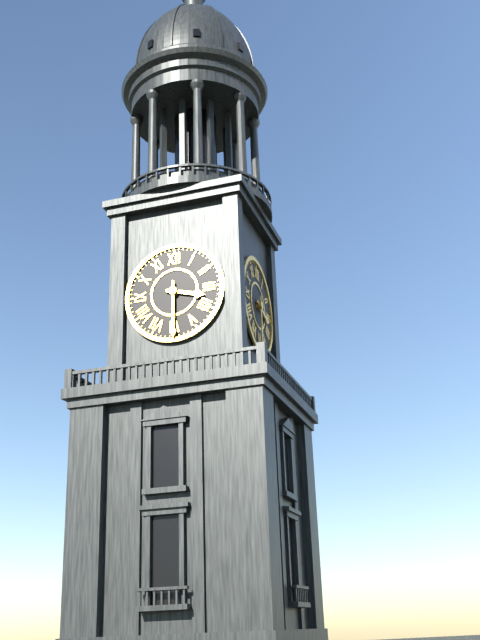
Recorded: 3.30
